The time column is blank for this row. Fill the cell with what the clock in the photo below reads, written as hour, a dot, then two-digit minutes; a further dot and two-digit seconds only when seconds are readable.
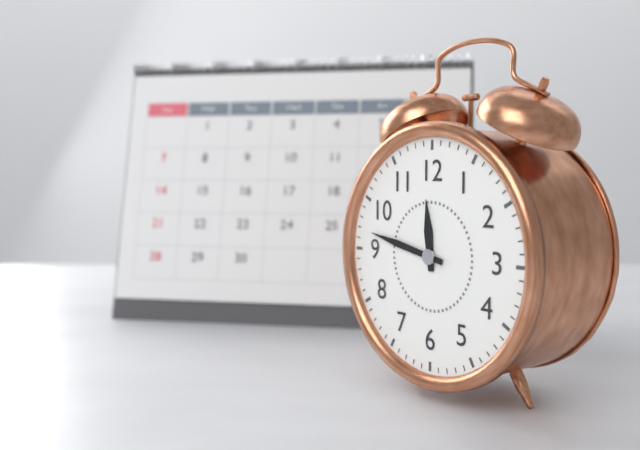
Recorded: 11.47
